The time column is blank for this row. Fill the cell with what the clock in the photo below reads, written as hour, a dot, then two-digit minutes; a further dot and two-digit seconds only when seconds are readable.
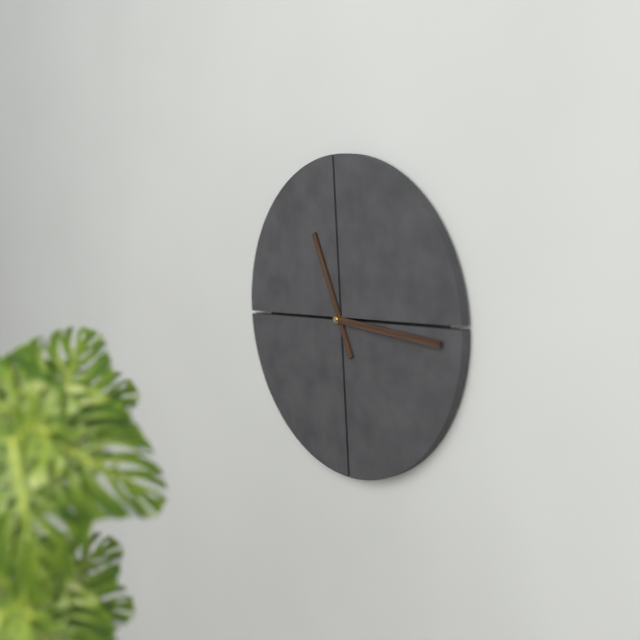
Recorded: 11.16
